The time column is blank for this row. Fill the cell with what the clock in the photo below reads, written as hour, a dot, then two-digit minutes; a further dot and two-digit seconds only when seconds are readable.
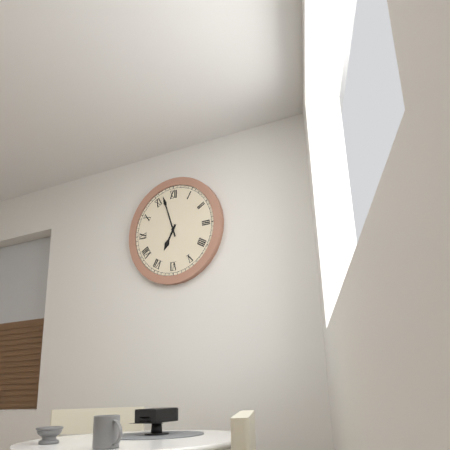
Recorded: 6.57
